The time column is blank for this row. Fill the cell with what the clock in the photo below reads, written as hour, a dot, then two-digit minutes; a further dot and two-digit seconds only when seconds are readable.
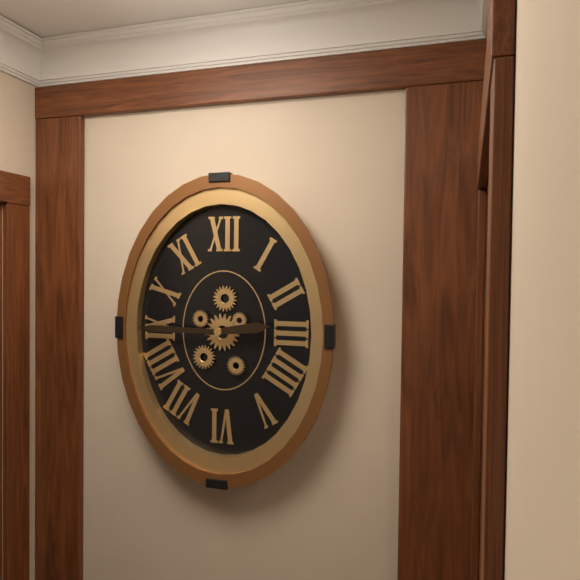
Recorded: 2.45
